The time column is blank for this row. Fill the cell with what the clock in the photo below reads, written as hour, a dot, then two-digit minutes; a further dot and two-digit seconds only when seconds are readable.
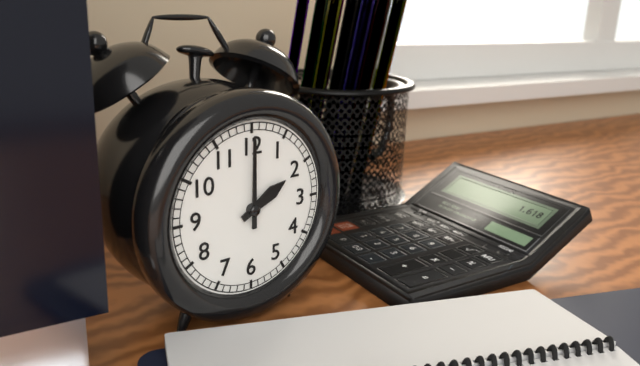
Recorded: 2.00
